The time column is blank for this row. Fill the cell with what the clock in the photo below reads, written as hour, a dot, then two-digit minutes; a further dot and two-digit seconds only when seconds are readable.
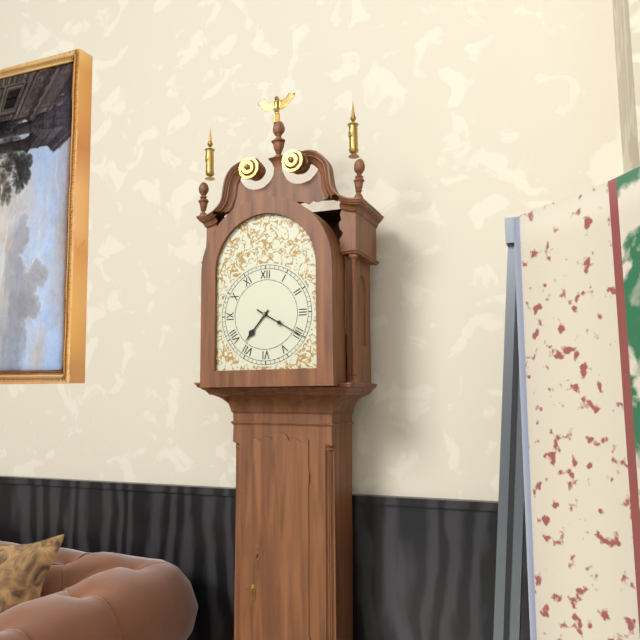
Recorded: 7.20
